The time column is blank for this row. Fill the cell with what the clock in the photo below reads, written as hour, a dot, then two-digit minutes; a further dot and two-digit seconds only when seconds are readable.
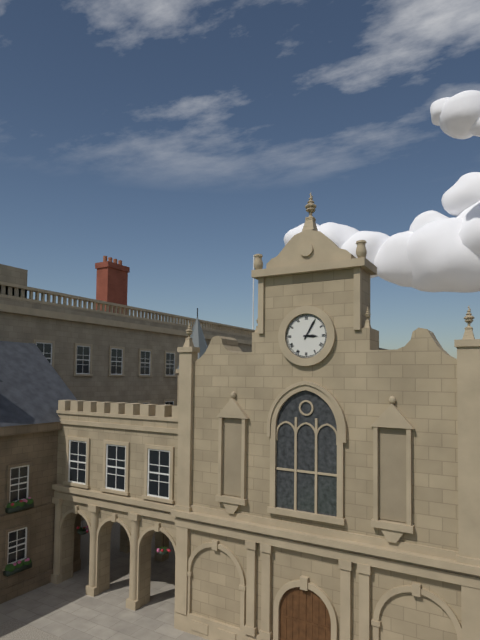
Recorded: 3.05
